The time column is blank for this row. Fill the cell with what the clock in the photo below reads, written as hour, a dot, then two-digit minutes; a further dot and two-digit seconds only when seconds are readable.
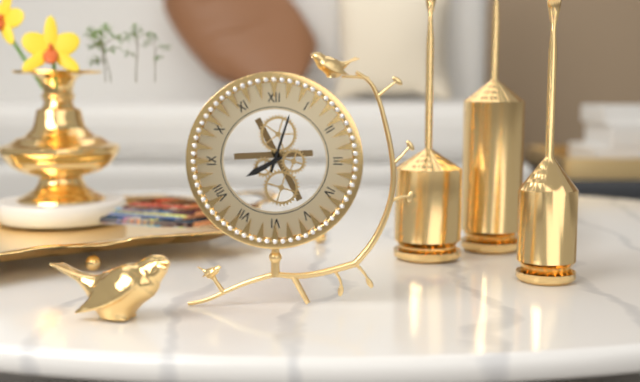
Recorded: 8.03
